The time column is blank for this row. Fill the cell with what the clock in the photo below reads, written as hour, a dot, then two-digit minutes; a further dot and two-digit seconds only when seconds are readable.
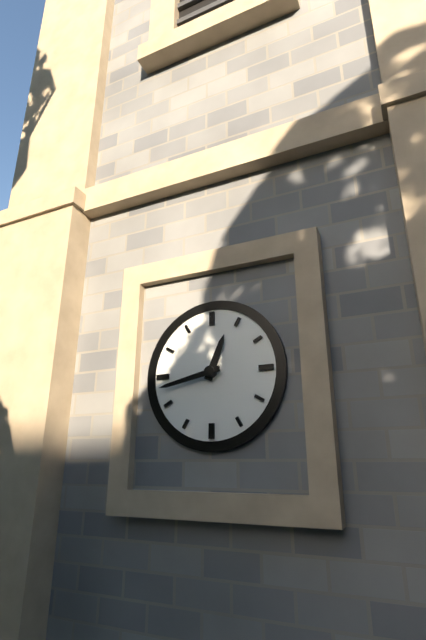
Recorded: 12.43
